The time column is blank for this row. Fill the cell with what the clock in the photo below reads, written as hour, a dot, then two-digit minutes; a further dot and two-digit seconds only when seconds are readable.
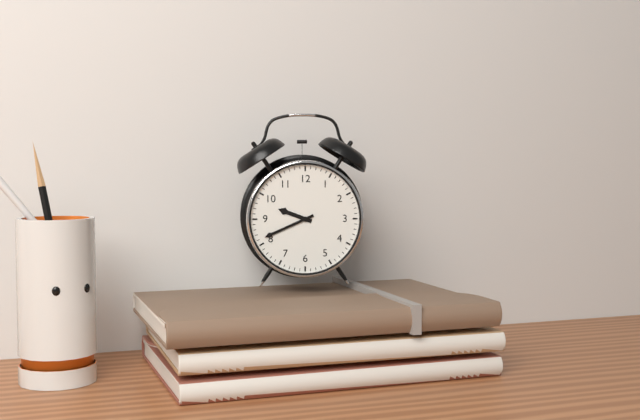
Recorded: 9.41
